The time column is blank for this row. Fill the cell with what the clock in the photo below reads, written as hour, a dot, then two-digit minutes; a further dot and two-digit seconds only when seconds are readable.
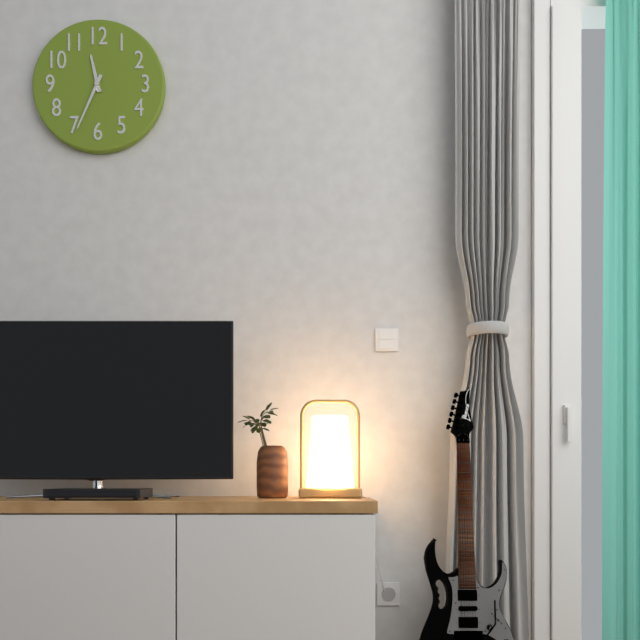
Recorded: 11.34
